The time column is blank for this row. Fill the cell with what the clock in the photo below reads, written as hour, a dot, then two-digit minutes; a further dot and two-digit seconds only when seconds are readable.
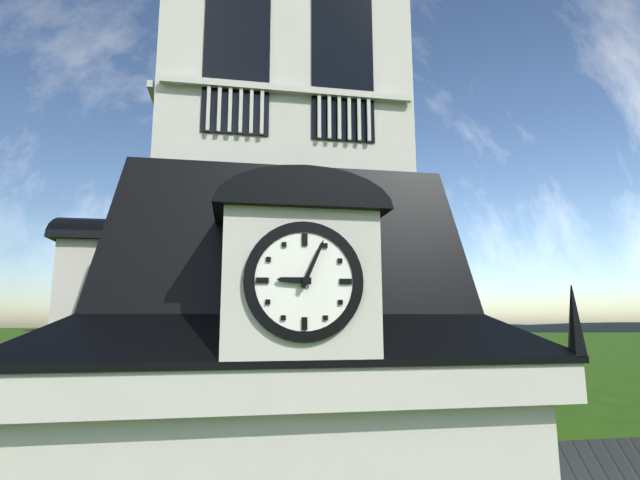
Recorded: 9.04
